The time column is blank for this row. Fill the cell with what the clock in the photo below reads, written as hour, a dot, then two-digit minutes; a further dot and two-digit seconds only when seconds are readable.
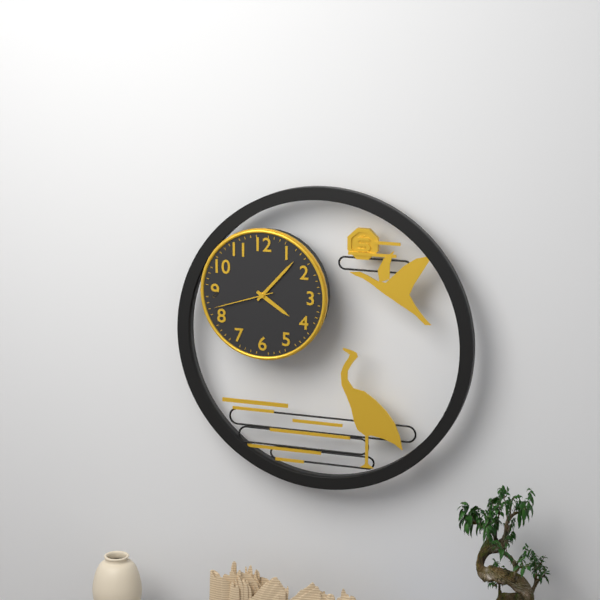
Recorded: 4.07.42
